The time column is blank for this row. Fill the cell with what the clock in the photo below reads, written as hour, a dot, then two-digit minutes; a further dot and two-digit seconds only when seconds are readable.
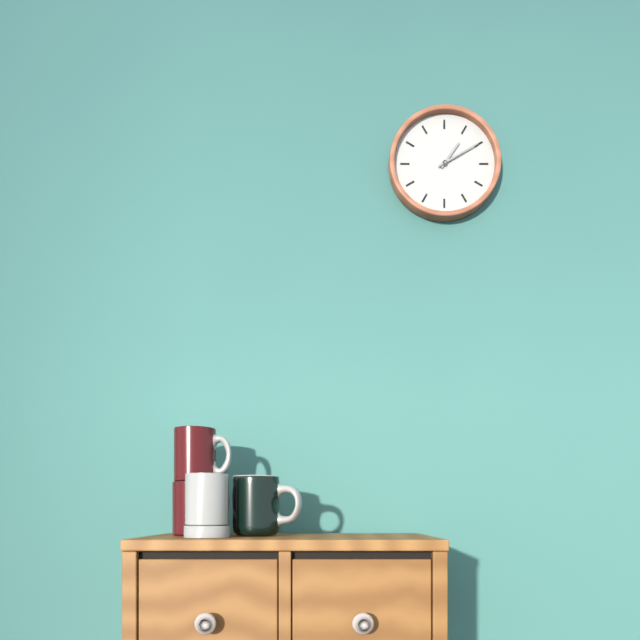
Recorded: 1.10
